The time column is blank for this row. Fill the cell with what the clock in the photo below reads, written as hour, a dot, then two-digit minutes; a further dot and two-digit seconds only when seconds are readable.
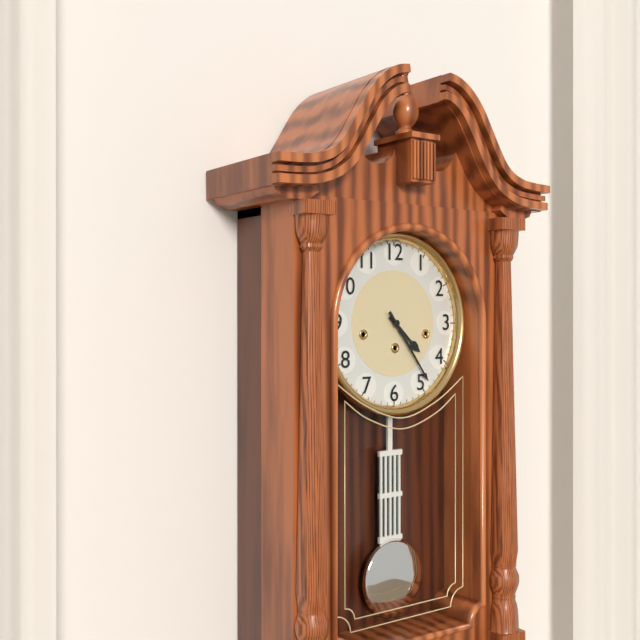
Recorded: 4.24
